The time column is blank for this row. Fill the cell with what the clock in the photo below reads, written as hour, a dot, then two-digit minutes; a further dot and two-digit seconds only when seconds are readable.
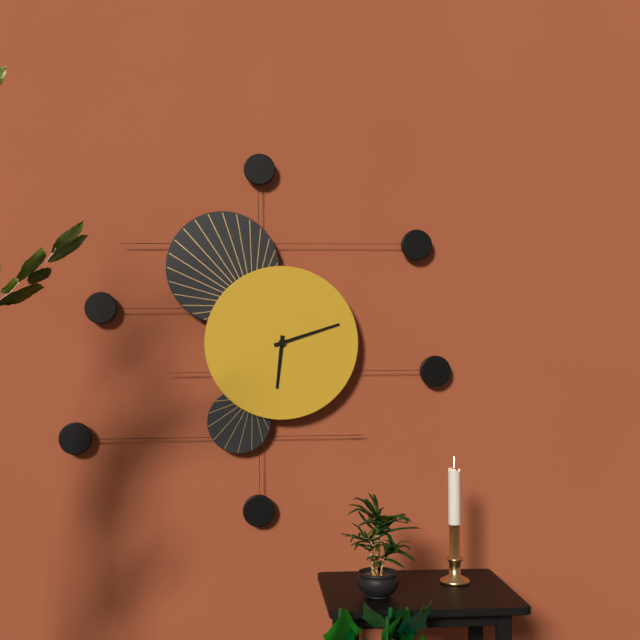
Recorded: 6.12
